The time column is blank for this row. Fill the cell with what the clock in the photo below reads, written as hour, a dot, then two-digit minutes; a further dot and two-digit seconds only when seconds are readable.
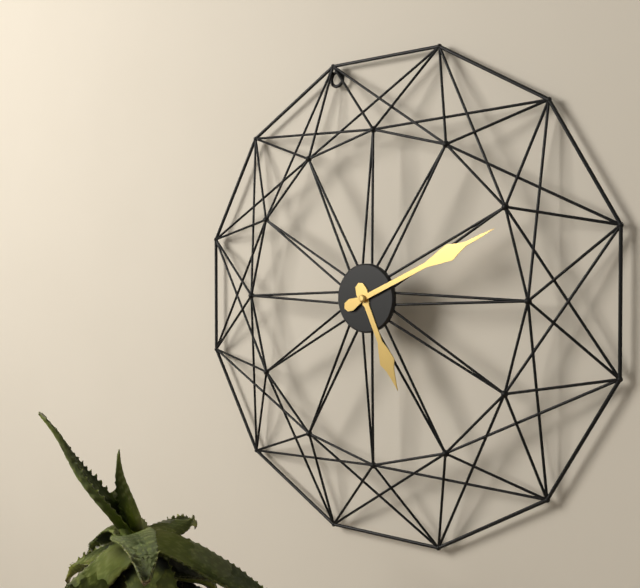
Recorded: 5.11
